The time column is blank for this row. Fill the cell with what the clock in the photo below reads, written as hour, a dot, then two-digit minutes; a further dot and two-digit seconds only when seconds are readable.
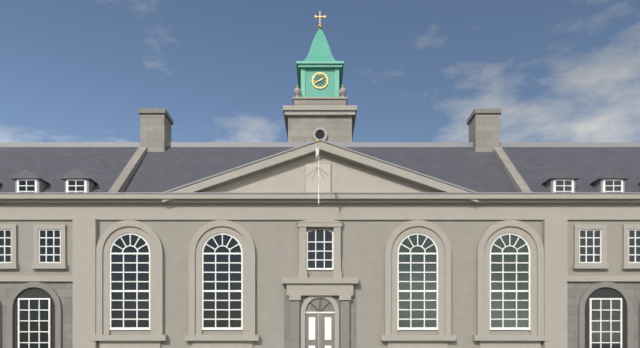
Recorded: 1.41
